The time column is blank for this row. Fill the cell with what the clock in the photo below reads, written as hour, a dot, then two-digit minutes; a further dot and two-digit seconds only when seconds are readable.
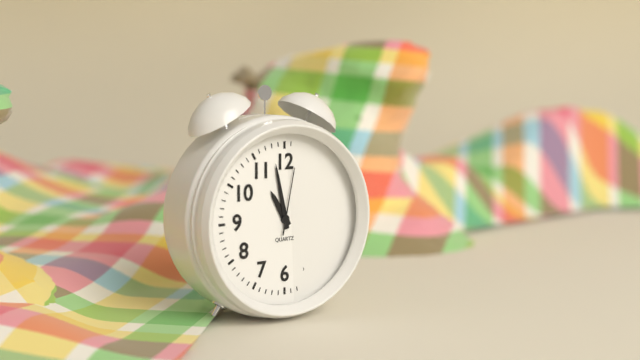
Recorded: 10.58.02
